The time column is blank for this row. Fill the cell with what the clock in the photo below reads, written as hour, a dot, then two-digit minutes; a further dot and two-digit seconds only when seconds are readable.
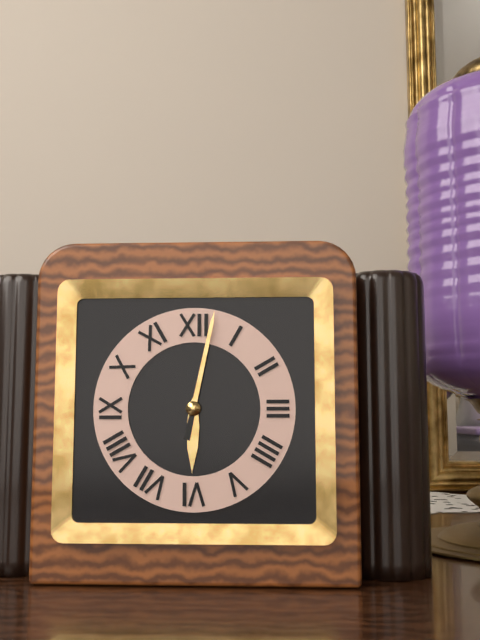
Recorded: 6.02
